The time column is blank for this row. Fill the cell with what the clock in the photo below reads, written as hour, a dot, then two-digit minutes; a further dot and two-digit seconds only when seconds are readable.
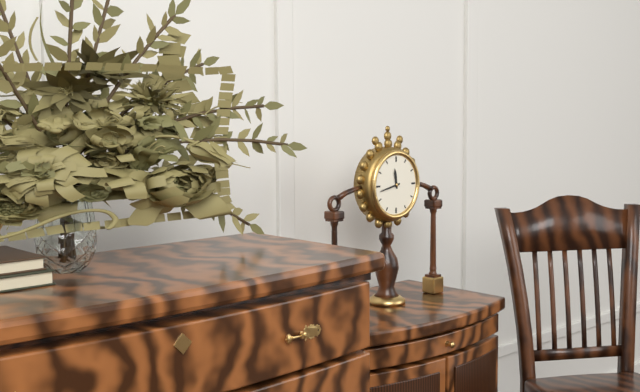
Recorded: 11.43
